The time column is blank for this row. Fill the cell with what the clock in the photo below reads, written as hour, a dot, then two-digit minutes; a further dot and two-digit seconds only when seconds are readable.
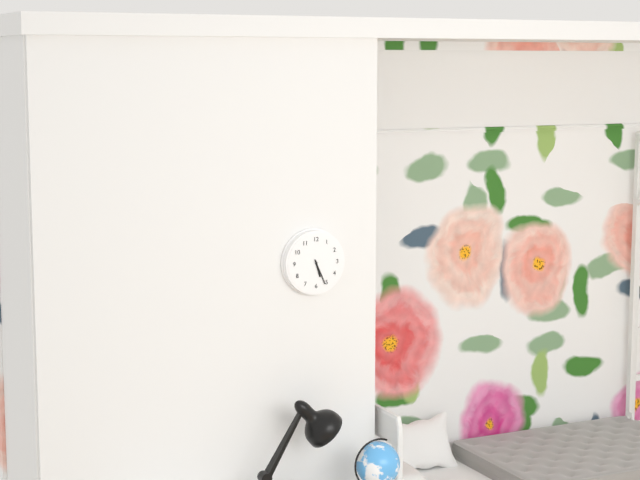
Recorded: 5.26
